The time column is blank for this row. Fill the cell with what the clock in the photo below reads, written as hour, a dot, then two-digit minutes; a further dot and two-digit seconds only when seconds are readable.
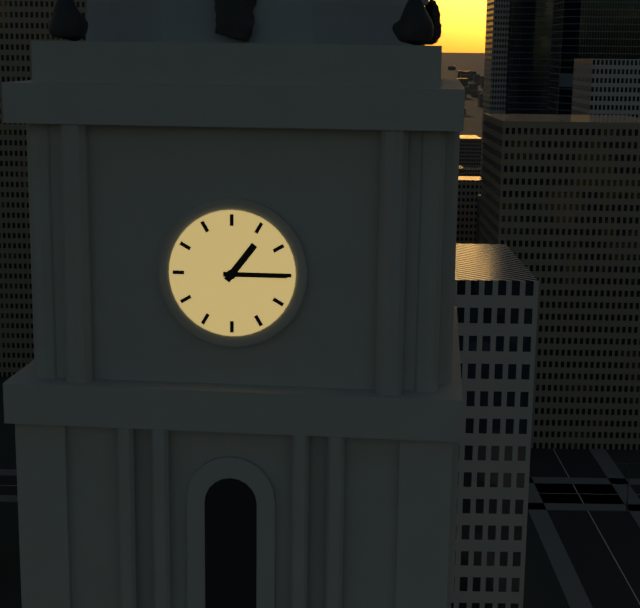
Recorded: 1.15
